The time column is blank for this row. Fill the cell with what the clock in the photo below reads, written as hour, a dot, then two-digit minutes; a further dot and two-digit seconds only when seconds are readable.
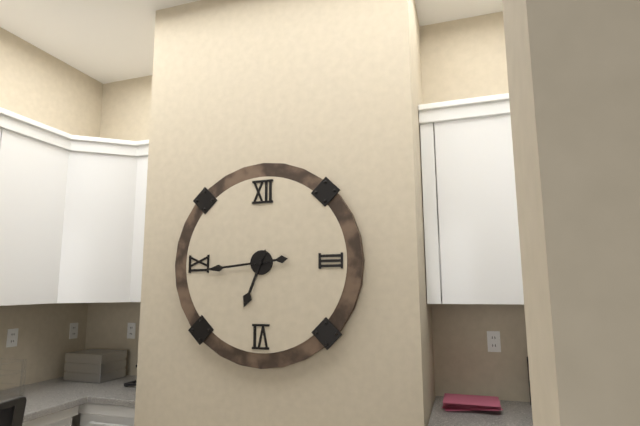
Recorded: 6.44
